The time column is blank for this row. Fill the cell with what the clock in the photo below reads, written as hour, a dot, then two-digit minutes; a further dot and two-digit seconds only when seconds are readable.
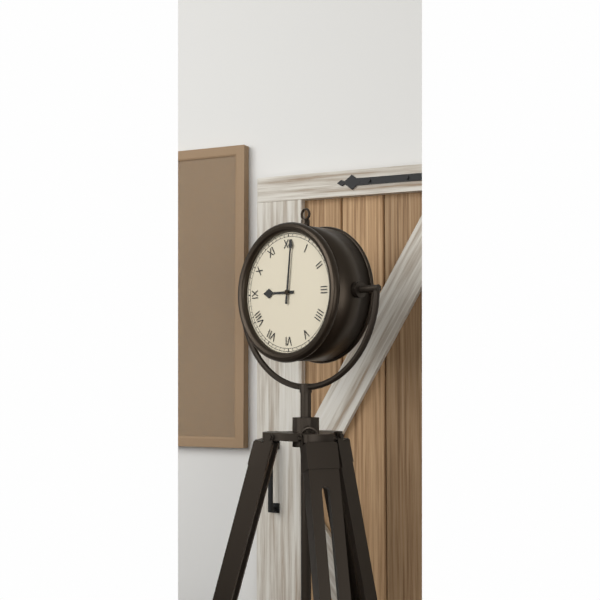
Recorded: 9.01
